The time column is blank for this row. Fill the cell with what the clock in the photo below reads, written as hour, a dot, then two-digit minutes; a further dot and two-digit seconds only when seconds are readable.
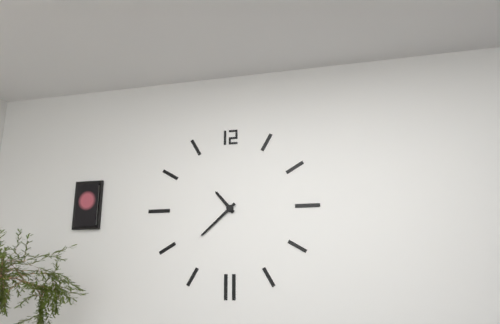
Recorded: 10.38
